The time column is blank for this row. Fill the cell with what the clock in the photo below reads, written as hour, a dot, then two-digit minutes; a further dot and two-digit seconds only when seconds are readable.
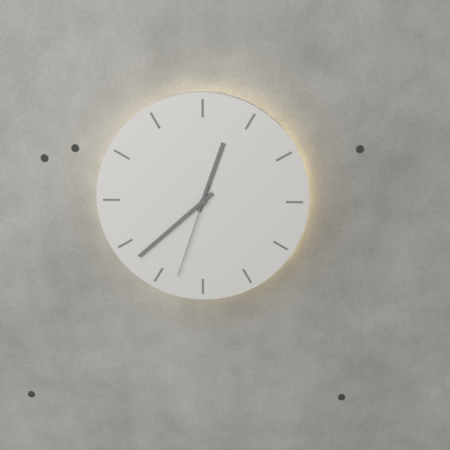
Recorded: 12.38.33
